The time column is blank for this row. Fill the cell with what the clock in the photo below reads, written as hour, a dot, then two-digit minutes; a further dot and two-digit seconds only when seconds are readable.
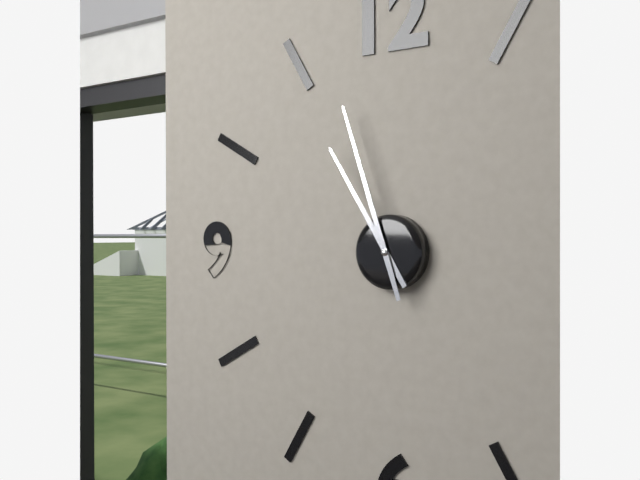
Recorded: 10.57
